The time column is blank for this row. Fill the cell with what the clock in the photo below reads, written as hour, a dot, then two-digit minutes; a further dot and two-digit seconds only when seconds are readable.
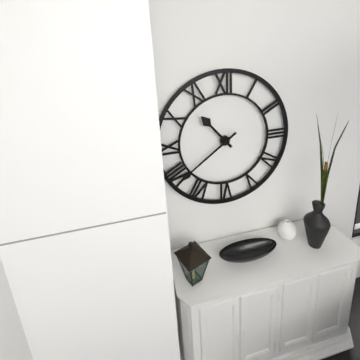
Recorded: 10.39
